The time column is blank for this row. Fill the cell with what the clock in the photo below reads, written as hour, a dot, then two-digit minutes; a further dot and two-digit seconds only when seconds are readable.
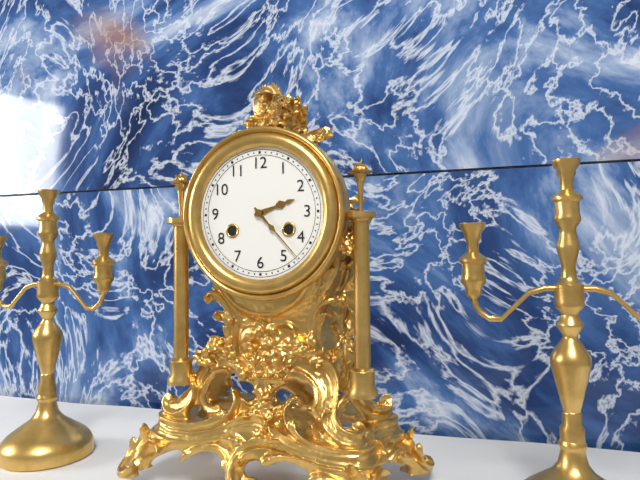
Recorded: 2.23
